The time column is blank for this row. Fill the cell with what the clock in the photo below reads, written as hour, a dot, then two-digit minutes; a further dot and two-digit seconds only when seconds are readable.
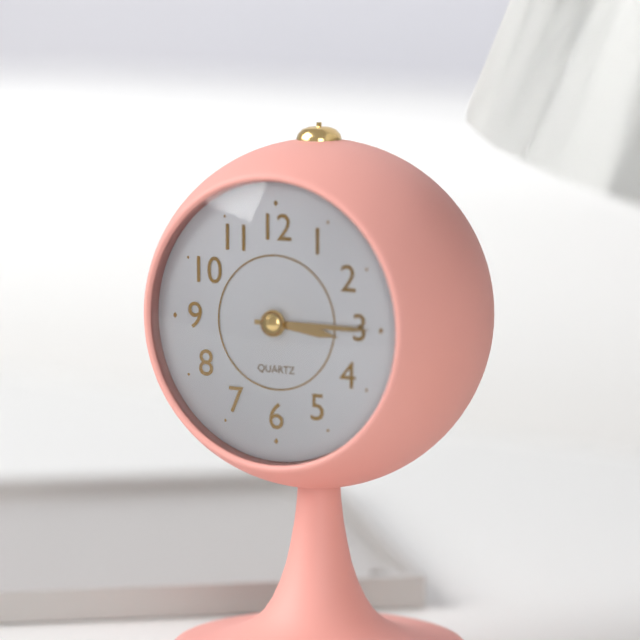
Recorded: 3.15
